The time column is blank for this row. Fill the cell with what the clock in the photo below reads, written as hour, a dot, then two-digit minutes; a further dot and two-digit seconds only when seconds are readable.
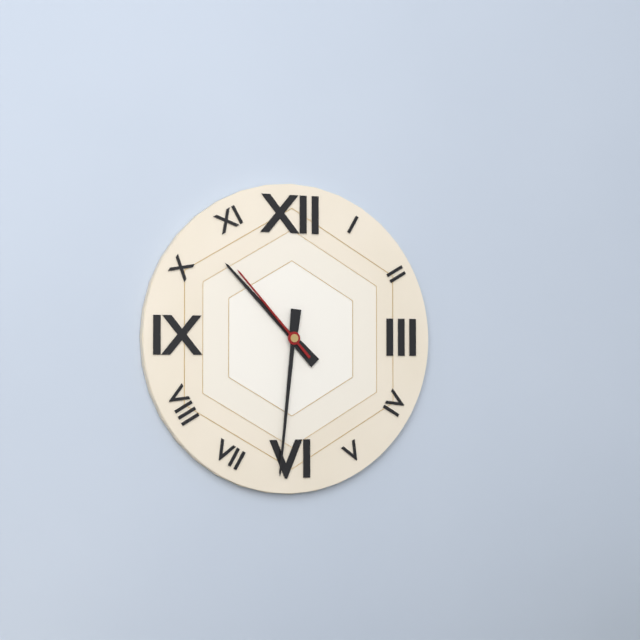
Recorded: 10.31.53
